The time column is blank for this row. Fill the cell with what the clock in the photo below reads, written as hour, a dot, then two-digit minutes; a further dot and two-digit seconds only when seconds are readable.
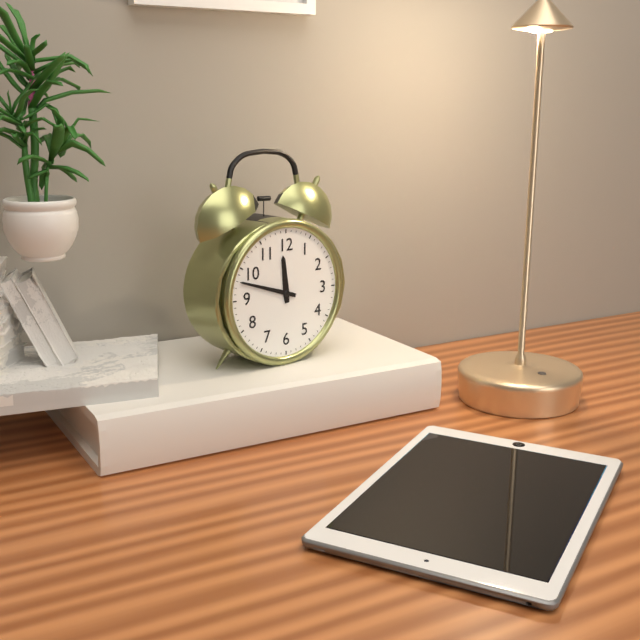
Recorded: 11.48
